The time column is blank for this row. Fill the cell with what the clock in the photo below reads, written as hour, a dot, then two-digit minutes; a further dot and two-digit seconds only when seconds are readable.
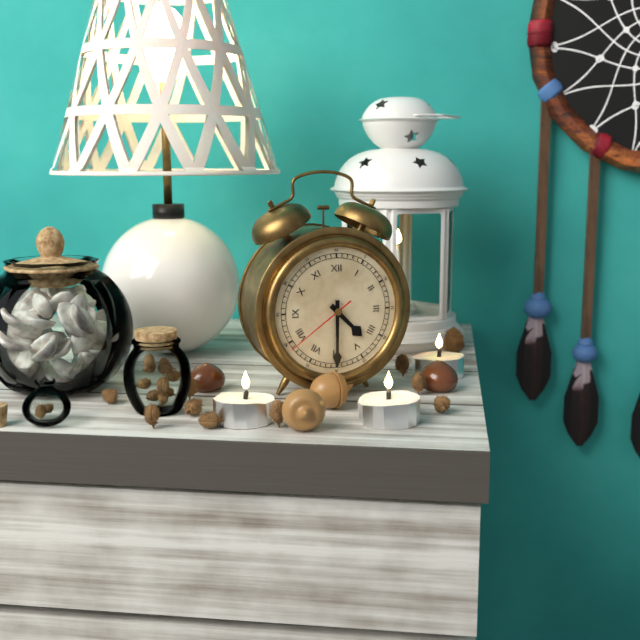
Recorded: 4.30.39
